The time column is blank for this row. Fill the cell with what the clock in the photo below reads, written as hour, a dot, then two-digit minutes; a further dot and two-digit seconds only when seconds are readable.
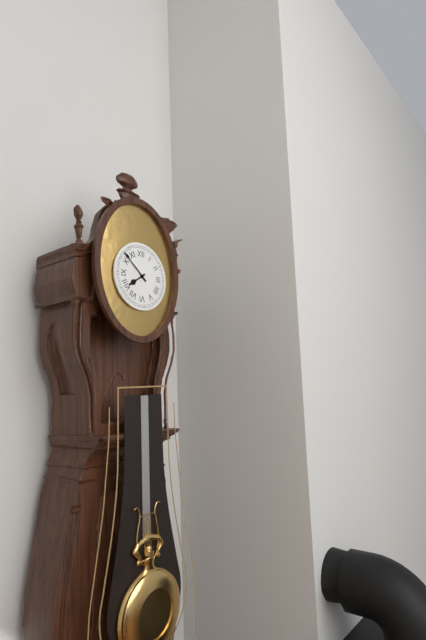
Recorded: 7.52
